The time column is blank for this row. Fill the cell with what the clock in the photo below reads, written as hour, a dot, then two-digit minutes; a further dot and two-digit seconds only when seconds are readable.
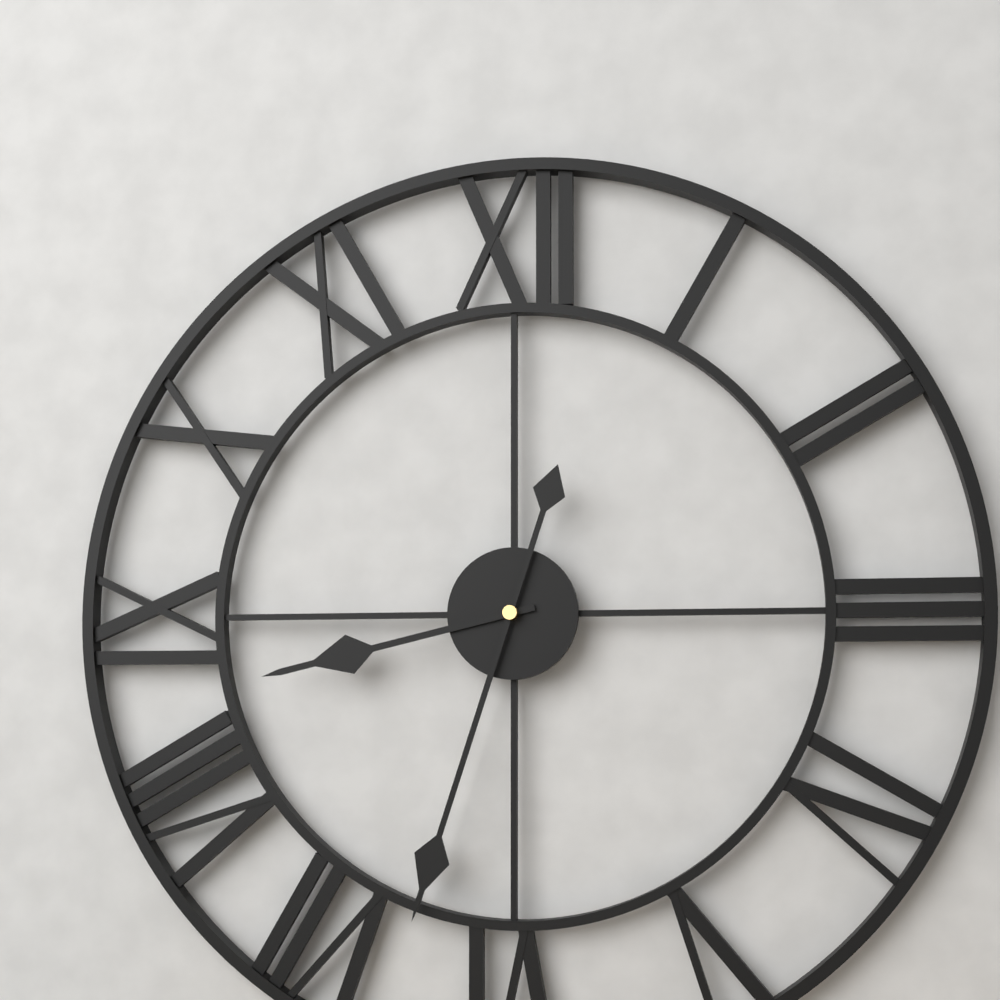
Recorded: 8.33
